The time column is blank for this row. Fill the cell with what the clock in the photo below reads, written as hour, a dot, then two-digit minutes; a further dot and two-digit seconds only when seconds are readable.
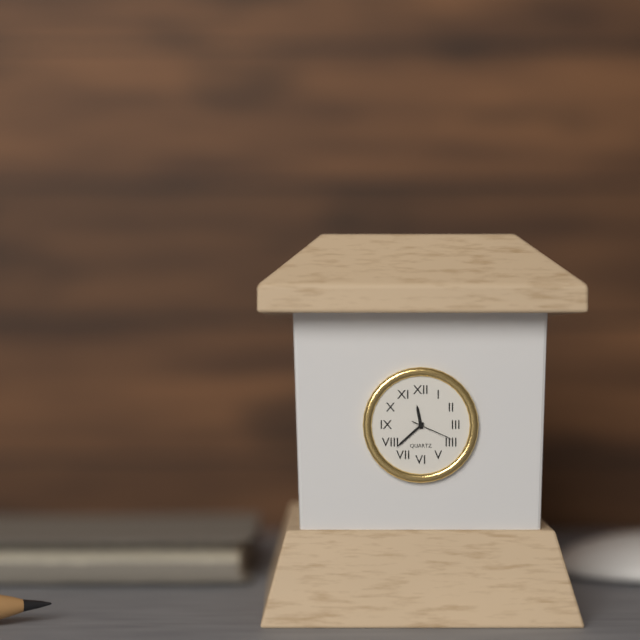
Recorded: 11.38
